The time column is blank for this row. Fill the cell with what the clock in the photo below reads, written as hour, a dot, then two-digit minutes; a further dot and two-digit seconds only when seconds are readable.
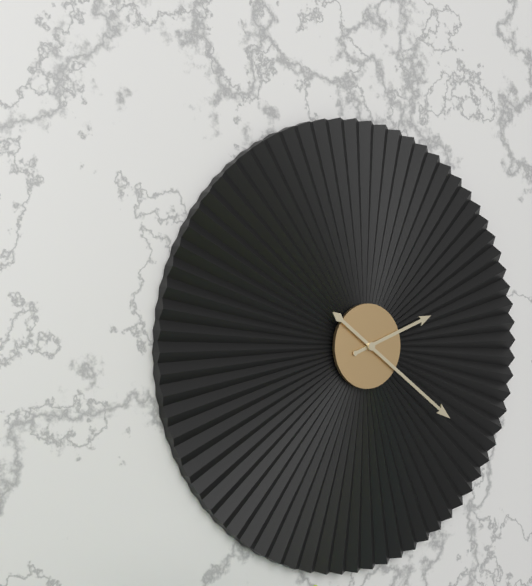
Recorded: 2.21
